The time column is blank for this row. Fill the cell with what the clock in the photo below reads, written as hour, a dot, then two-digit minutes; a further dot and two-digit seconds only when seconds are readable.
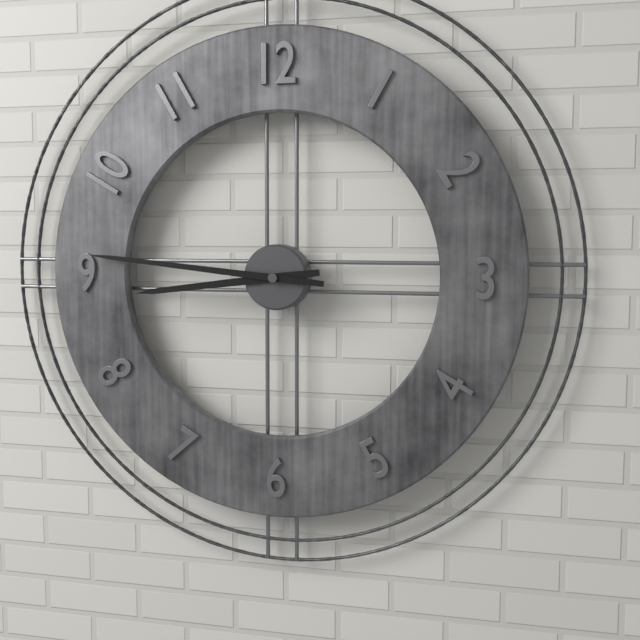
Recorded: 8.46
